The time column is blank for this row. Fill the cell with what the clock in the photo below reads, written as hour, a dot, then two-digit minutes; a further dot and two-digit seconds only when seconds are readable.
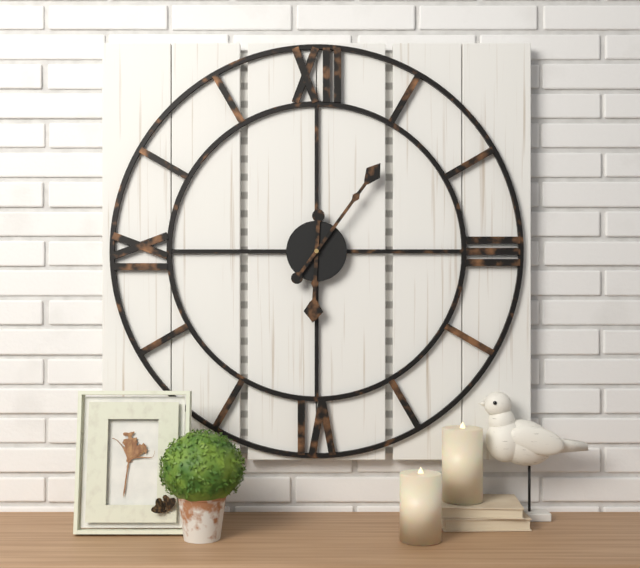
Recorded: 6.06
